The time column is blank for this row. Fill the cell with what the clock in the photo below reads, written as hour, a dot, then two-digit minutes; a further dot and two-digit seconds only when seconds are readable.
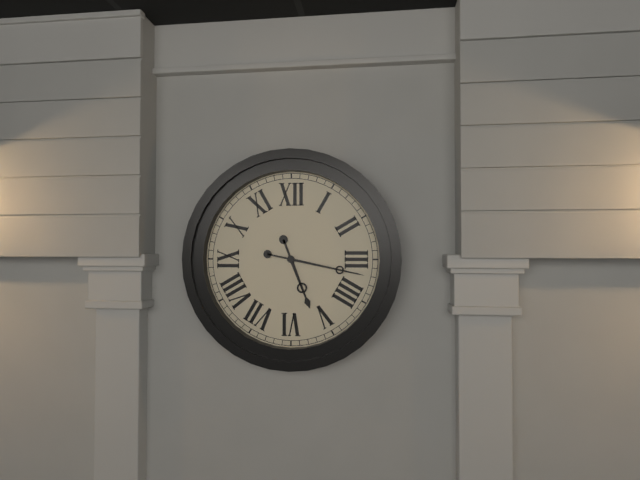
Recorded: 5.17
